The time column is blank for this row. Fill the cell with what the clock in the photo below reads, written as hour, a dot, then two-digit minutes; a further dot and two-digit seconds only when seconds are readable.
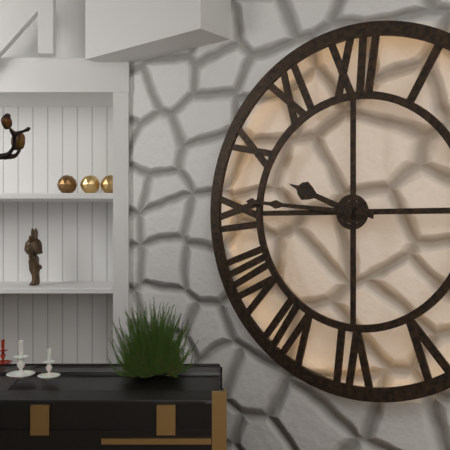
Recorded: 9.46
